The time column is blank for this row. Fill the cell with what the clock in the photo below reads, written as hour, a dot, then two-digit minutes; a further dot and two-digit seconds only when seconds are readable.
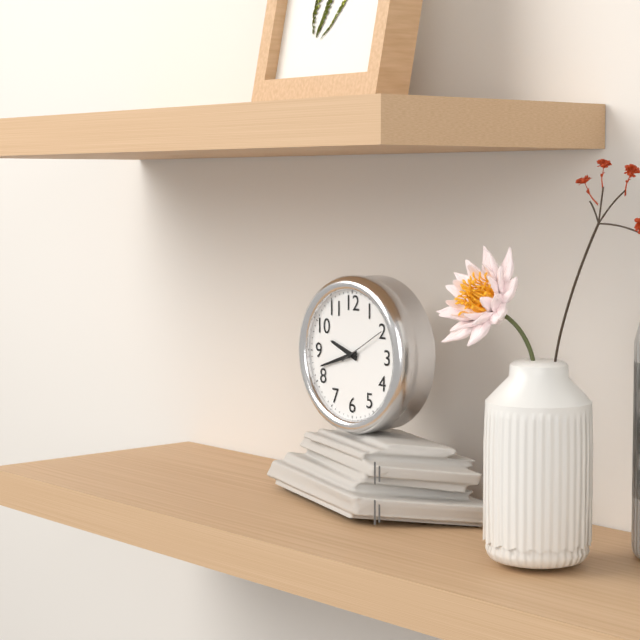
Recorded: 9.42.10
